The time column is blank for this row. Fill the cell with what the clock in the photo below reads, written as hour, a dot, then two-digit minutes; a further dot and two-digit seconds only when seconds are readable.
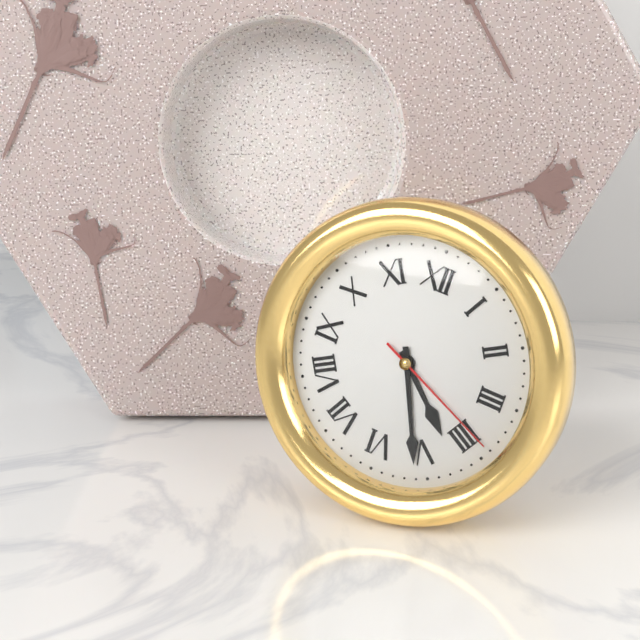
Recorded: 4.26.19
